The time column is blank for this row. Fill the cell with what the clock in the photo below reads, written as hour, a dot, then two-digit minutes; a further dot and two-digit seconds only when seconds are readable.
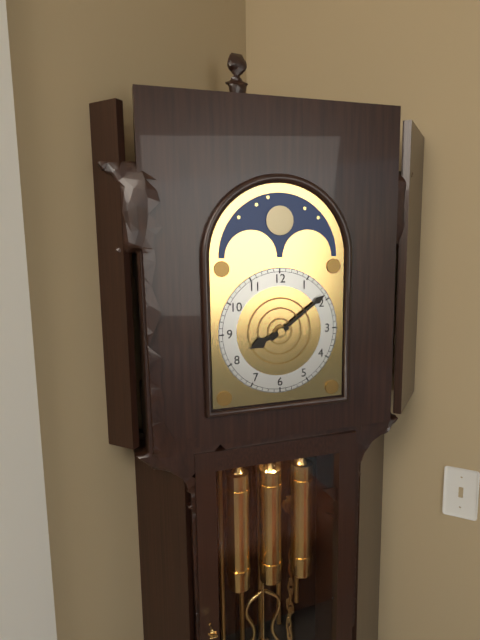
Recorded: 8.09
